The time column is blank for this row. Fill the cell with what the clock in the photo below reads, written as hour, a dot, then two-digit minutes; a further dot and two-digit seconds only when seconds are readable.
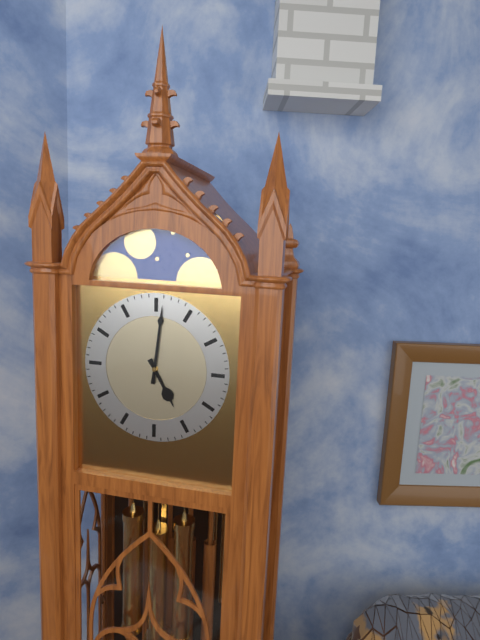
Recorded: 5.01
